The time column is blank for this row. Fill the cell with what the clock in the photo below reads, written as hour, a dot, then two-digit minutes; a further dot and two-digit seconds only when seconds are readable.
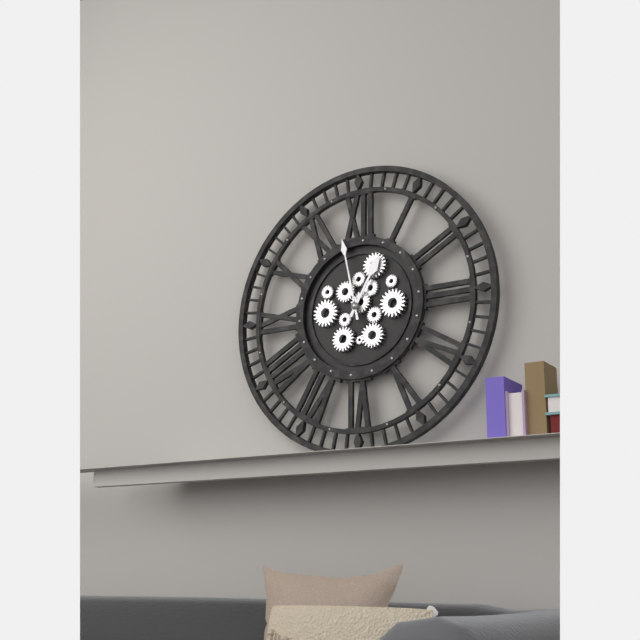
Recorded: 12.58
